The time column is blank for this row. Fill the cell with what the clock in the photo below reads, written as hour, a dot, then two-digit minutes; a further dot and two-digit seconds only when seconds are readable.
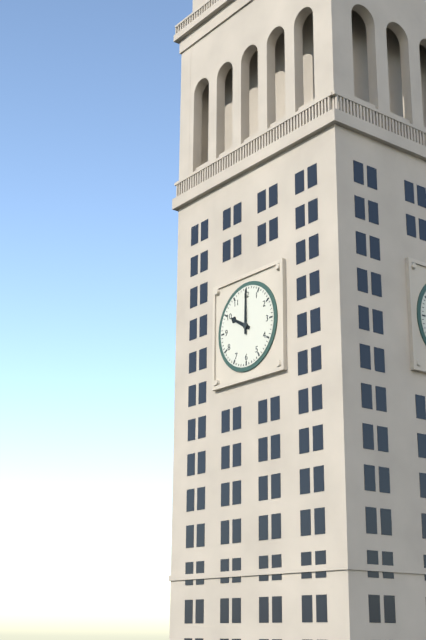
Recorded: 10.00
